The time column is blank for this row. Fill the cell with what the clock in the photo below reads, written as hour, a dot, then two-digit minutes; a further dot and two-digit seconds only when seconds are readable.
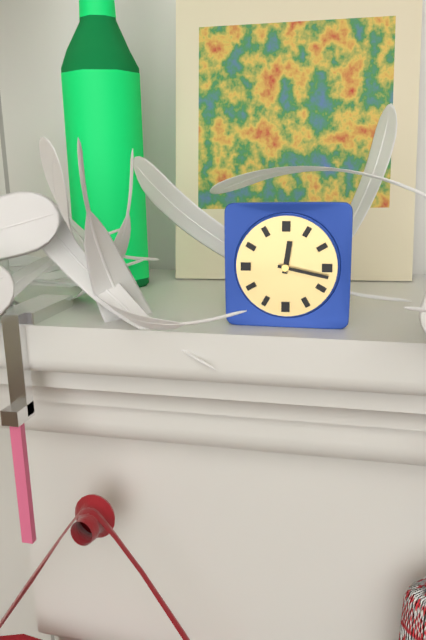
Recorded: 12.17
